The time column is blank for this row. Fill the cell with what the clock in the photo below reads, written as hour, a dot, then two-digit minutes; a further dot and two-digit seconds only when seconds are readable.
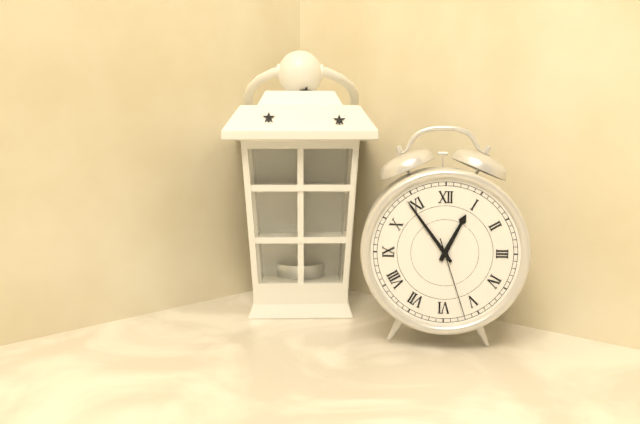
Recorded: 12.54.27
